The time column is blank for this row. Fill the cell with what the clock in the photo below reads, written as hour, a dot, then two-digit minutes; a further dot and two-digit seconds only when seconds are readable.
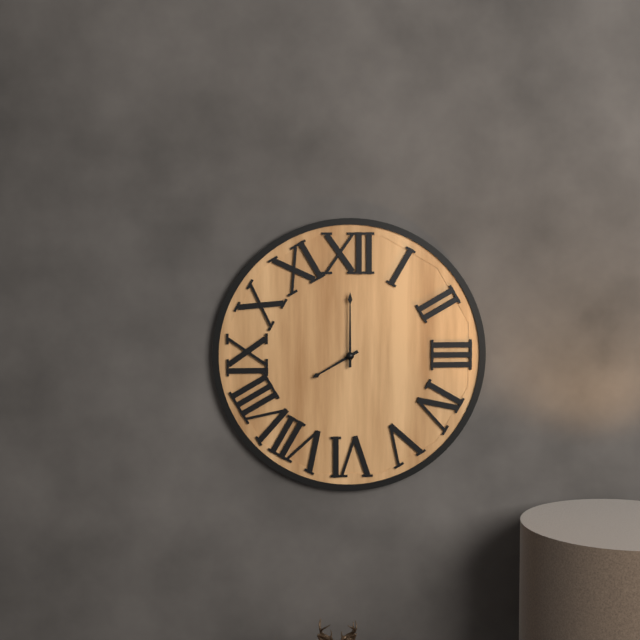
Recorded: 8.00
